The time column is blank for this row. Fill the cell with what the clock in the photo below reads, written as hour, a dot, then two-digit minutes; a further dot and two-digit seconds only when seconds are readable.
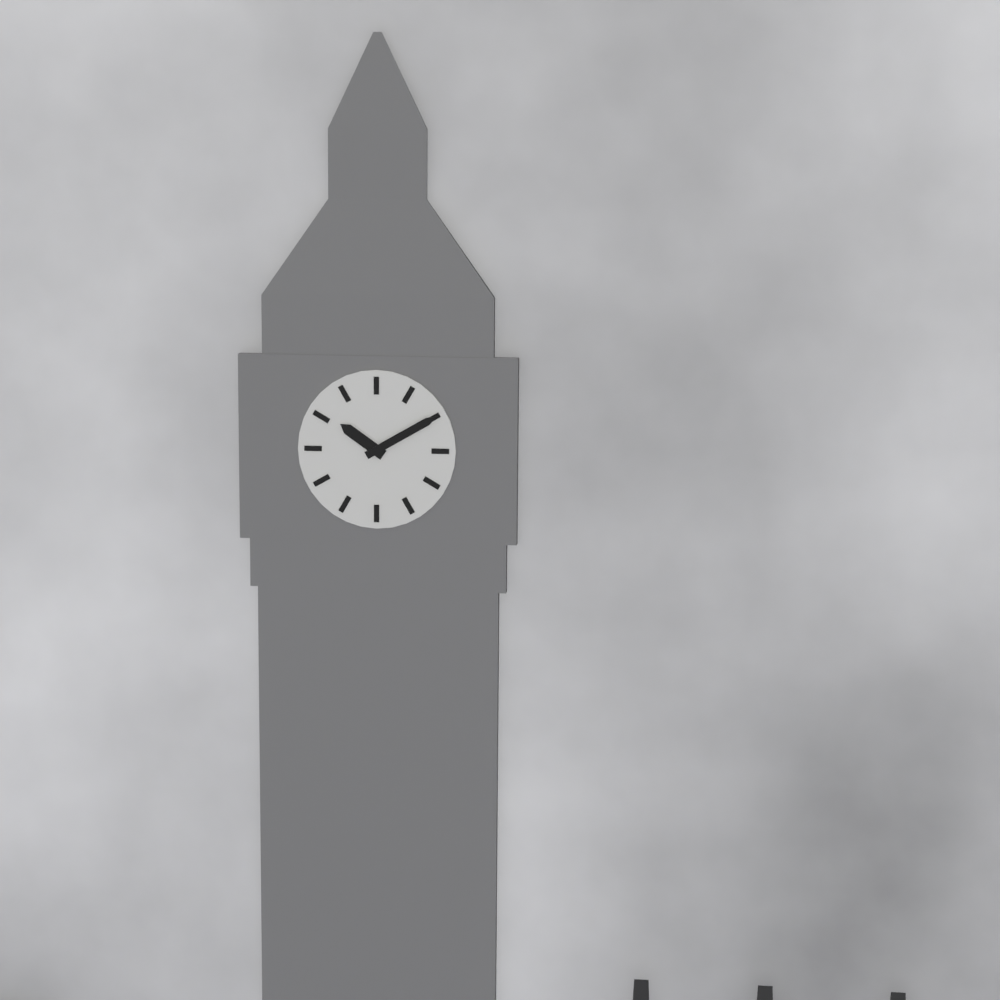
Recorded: 10.10
